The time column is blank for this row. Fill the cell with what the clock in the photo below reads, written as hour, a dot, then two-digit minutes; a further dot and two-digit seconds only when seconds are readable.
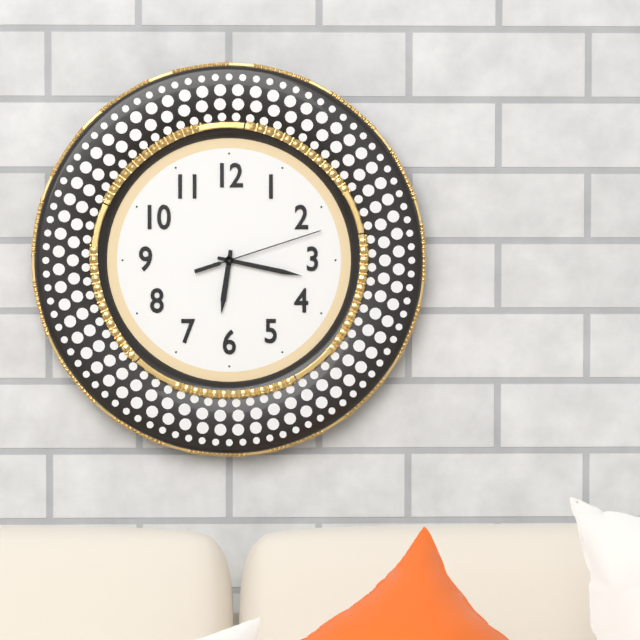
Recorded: 6.17.12
